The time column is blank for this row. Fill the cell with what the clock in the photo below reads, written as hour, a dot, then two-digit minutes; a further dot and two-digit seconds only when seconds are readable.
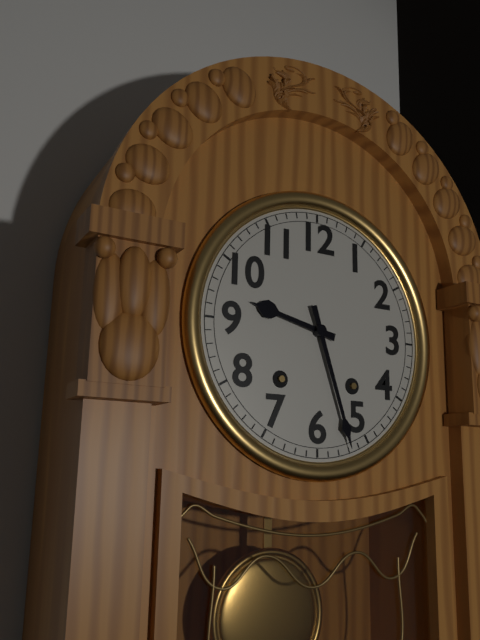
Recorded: 9.27
